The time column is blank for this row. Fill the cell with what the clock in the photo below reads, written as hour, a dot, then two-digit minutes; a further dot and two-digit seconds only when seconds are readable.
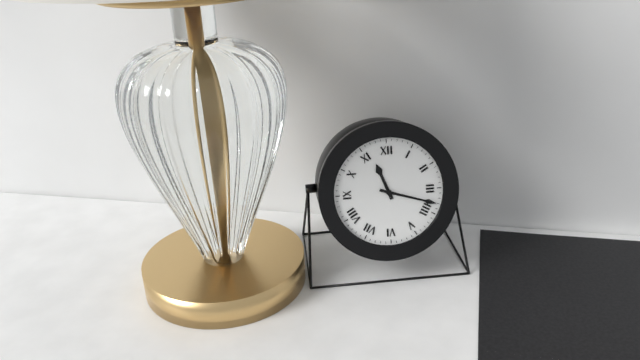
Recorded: 11.18
